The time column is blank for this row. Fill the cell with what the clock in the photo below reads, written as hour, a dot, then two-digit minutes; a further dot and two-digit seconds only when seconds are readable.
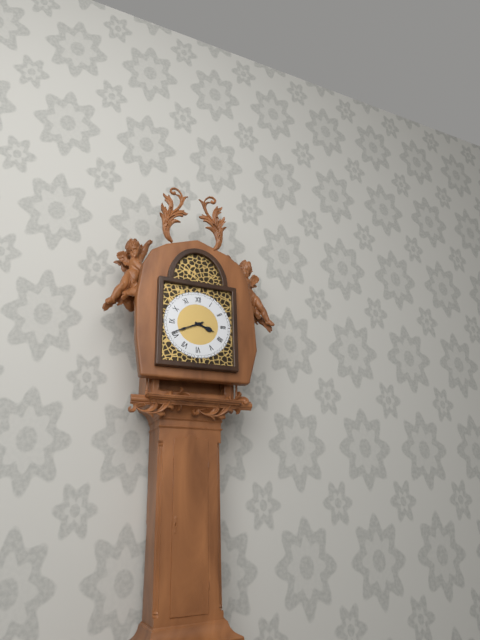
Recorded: 3.41
